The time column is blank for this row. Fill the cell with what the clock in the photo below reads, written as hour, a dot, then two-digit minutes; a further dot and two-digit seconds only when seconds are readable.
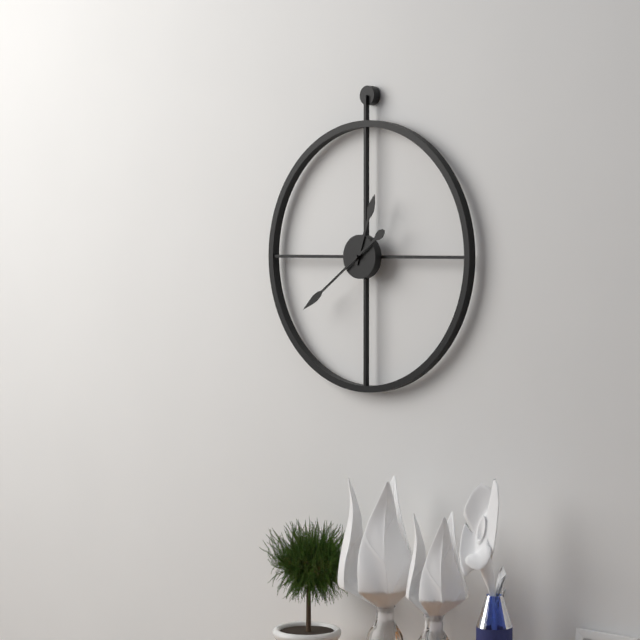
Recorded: 12.39
